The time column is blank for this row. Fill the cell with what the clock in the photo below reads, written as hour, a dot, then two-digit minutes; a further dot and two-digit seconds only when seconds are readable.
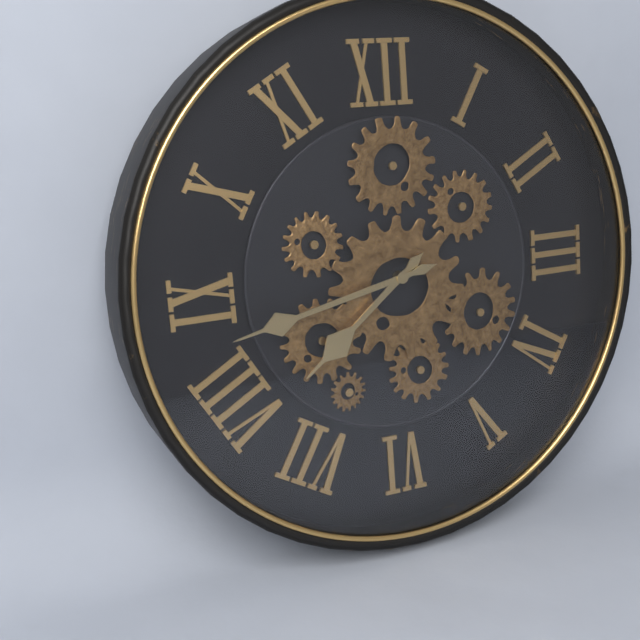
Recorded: 7.43
